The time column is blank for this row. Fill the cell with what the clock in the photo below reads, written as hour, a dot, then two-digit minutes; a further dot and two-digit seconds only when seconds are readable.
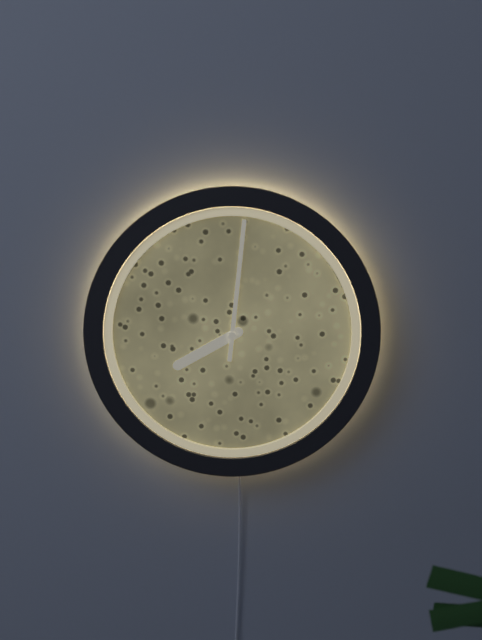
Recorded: 8.01
